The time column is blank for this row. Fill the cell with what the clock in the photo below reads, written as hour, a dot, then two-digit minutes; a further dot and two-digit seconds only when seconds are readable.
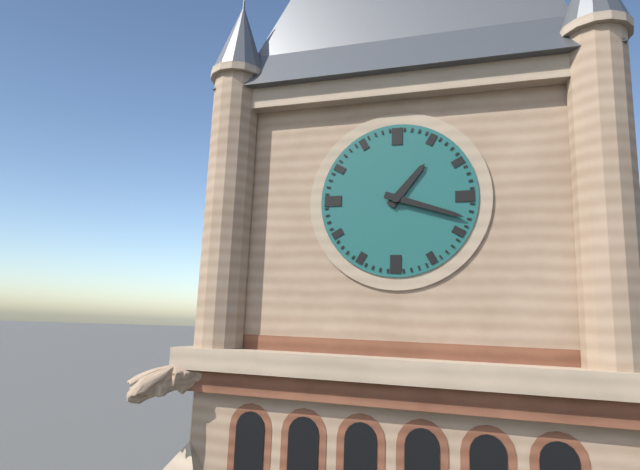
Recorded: 1.18
